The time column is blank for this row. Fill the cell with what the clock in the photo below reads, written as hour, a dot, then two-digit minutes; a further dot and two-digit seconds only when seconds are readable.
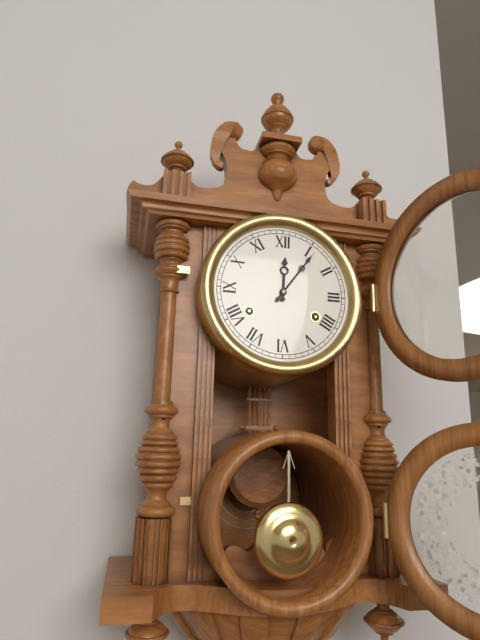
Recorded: 12.06
